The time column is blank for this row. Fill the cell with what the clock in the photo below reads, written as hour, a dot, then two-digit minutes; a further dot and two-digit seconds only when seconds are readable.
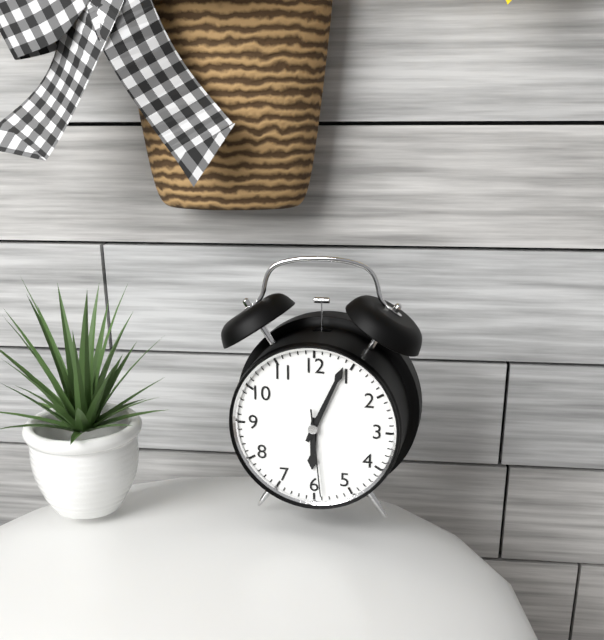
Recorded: 6.04.29
